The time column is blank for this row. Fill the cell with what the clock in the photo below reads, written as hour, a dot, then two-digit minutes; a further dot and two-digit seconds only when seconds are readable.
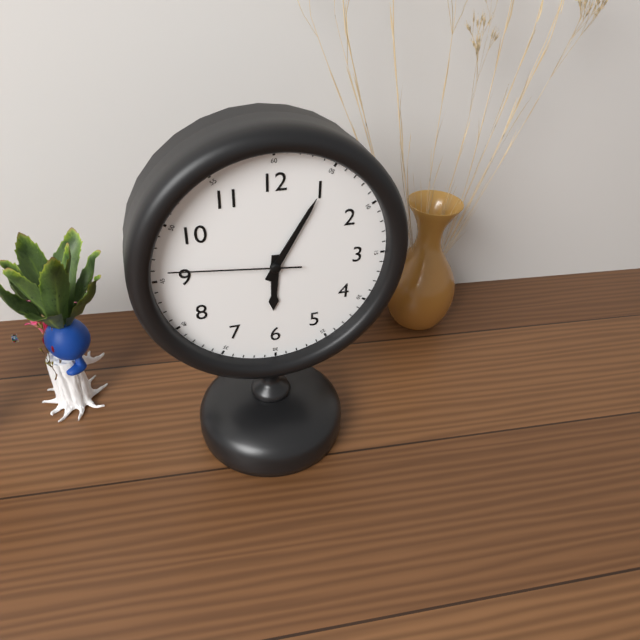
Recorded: 6.05.46
